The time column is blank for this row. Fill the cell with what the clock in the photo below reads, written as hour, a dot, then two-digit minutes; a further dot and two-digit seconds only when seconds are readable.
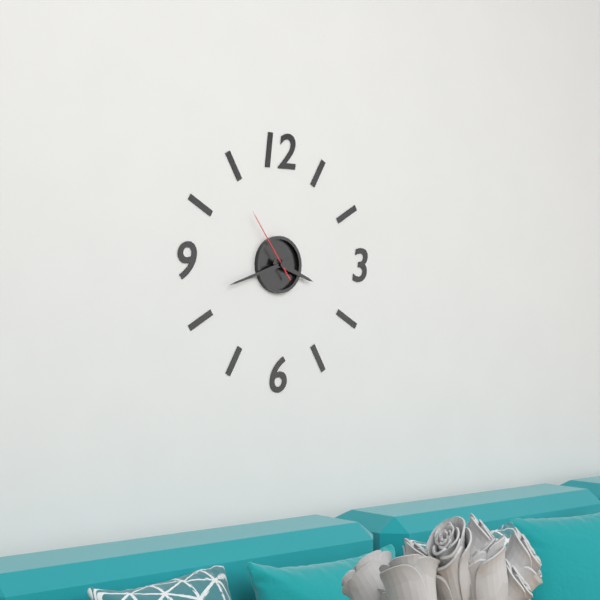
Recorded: 3.42.54
